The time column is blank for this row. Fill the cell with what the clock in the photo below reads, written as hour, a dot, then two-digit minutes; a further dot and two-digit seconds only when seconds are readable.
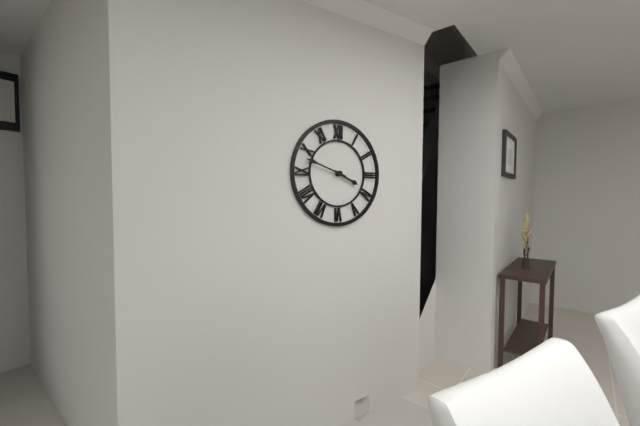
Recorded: 3.48
